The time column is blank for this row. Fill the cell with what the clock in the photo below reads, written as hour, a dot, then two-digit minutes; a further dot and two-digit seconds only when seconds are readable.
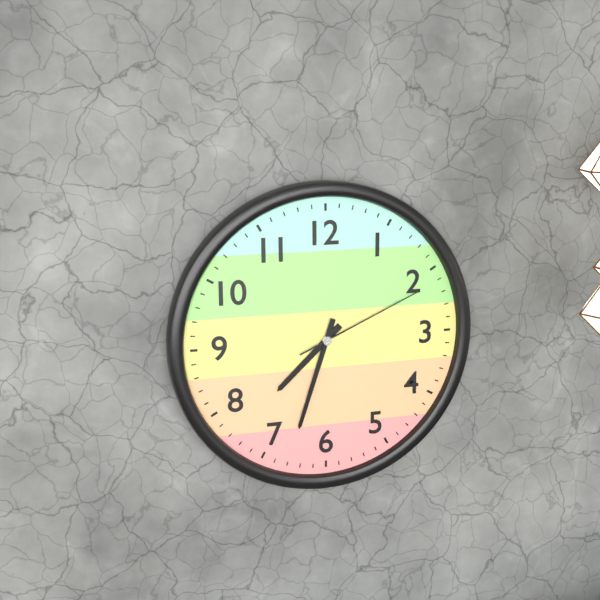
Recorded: 7.33.11
